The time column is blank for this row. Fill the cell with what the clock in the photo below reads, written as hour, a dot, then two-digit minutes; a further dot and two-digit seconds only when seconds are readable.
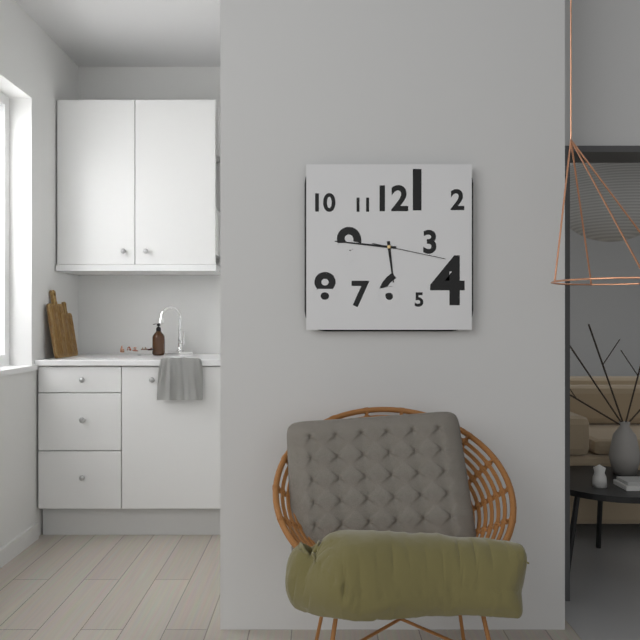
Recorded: 5.46.17
